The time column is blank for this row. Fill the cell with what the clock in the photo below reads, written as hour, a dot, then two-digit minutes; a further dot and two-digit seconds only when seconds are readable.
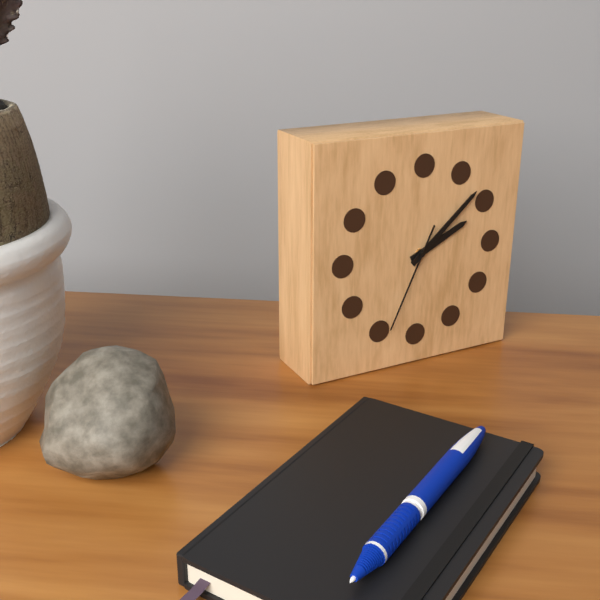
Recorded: 2.08.34
